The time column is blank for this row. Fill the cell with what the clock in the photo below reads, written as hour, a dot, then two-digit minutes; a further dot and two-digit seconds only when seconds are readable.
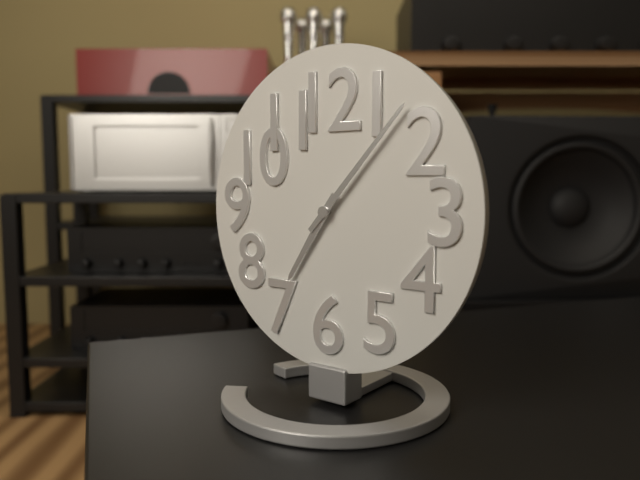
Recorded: 7.07
